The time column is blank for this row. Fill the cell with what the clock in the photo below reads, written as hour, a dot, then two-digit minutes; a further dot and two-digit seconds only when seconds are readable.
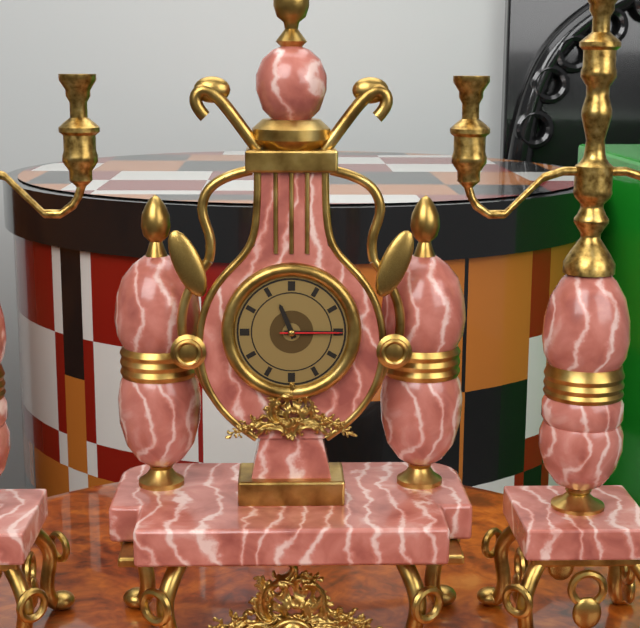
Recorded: 11.15.15
